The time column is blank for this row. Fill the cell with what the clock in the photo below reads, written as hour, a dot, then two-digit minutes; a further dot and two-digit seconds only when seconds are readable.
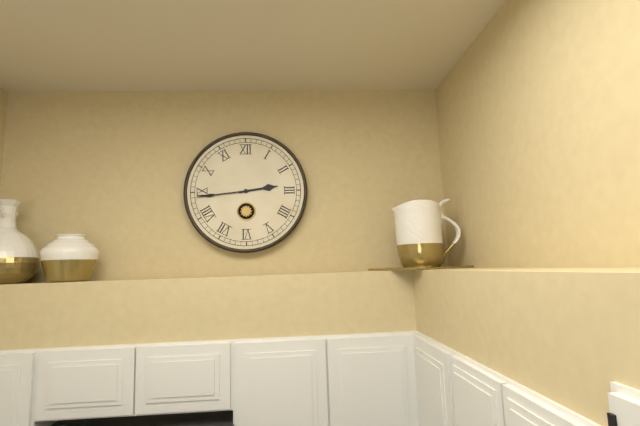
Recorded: 2.44
